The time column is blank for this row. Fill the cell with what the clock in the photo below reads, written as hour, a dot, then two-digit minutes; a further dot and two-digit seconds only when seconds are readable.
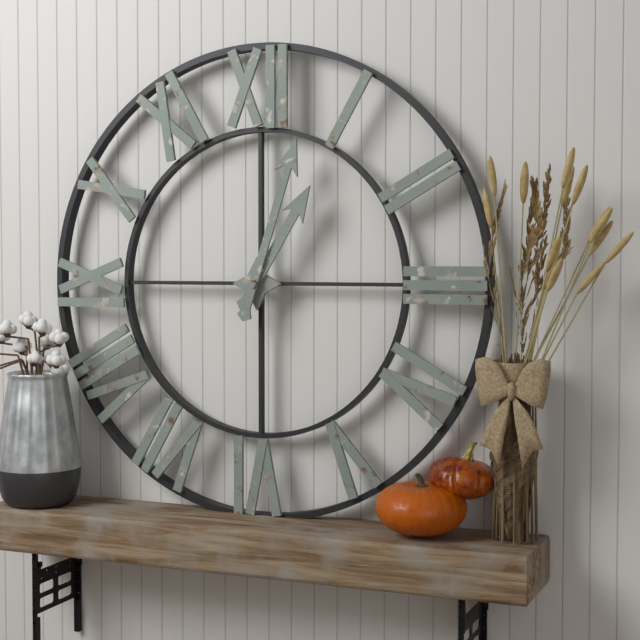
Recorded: 1.03
